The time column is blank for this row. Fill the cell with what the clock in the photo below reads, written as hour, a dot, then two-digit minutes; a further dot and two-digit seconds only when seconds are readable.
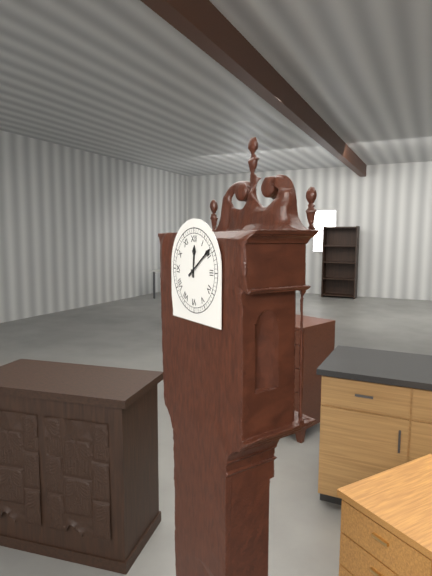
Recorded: 12.09
